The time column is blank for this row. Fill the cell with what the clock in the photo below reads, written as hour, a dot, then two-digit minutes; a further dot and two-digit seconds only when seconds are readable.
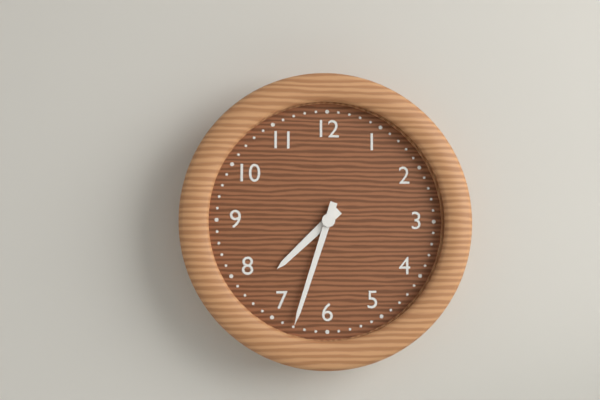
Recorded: 7.33
